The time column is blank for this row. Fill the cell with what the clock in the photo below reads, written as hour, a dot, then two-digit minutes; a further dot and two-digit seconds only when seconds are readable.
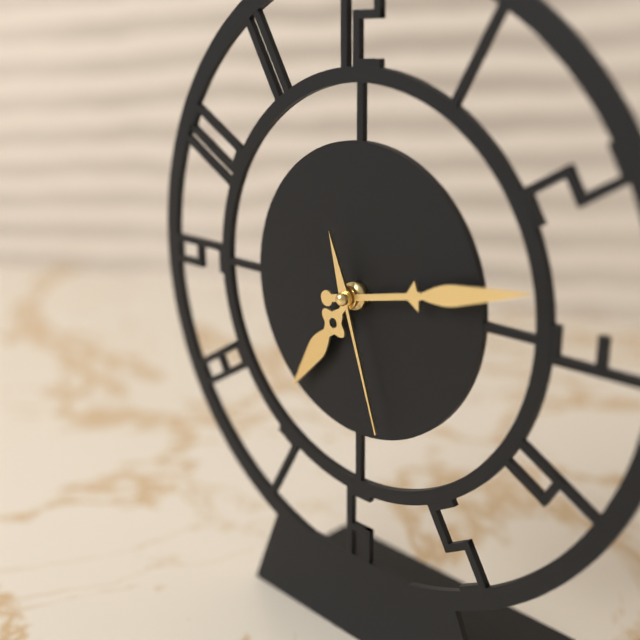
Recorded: 7.13.27
